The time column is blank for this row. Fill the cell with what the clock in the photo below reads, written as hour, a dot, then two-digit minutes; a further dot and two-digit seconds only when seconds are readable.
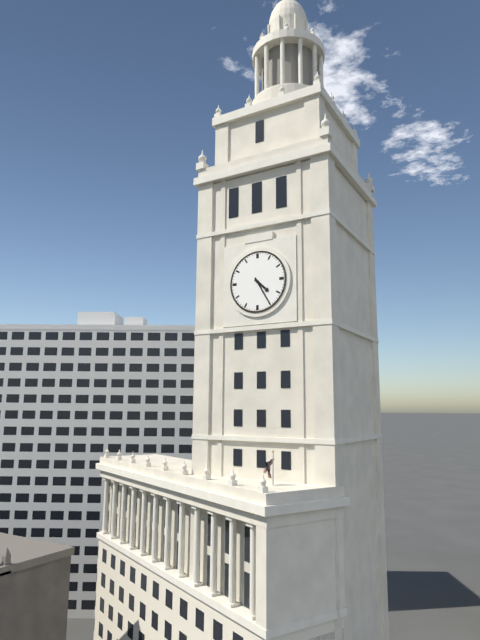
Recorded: 4.25
